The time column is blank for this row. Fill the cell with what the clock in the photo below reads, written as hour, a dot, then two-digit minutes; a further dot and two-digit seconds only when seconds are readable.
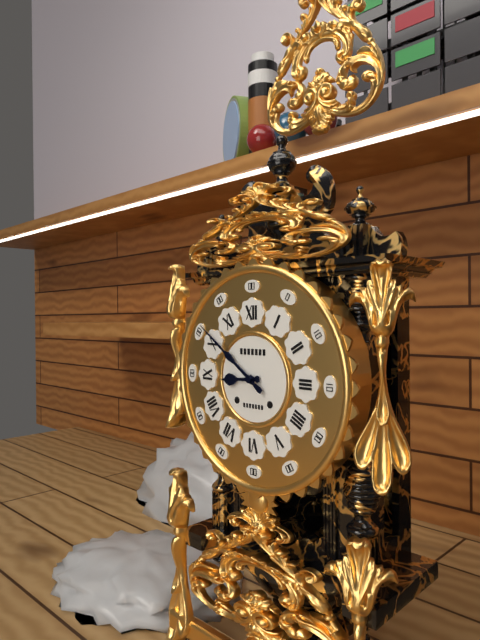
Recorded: 8.51
